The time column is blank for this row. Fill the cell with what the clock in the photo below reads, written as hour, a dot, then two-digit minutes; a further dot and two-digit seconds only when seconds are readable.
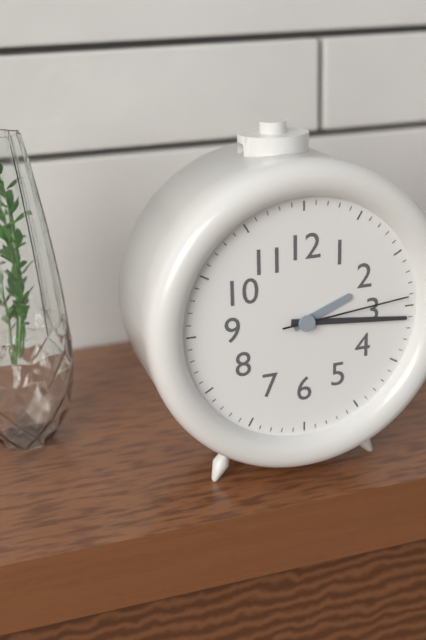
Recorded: 2.16.14
